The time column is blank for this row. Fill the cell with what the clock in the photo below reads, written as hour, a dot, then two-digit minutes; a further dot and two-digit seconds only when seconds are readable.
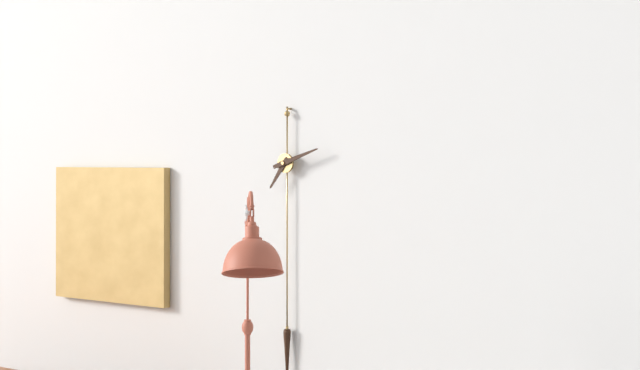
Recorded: 7.12
